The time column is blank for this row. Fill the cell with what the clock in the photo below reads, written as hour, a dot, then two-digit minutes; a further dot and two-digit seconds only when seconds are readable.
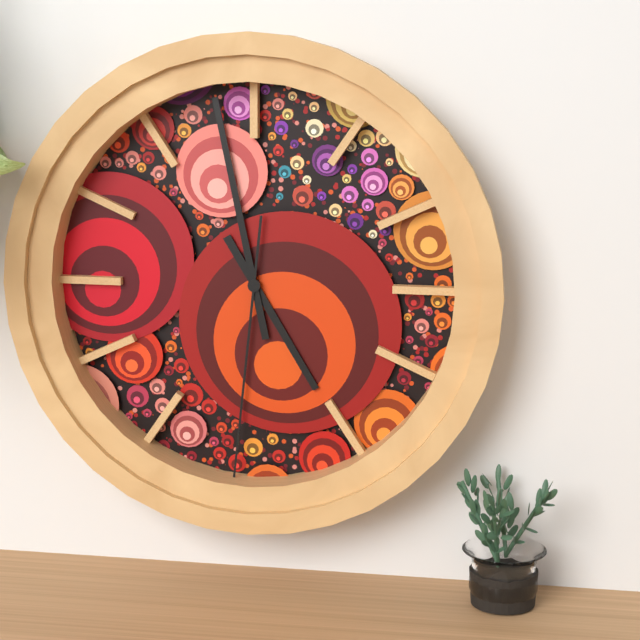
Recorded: 4.58.31
